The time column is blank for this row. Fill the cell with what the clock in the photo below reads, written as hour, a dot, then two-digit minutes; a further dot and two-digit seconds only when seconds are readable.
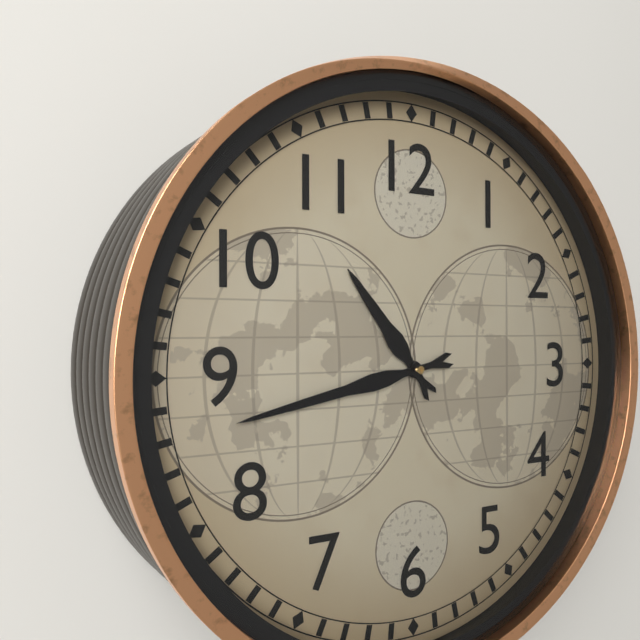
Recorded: 10.43
